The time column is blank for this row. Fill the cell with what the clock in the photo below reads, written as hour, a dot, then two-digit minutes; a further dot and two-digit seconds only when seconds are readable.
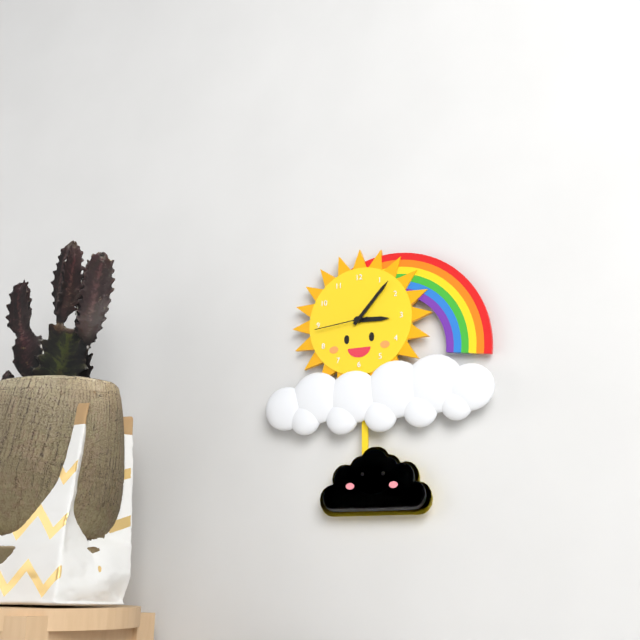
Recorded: 3.07.44
